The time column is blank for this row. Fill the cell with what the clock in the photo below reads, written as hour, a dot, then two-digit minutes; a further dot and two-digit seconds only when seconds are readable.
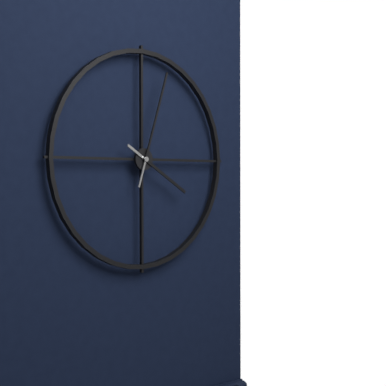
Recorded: 4.03
